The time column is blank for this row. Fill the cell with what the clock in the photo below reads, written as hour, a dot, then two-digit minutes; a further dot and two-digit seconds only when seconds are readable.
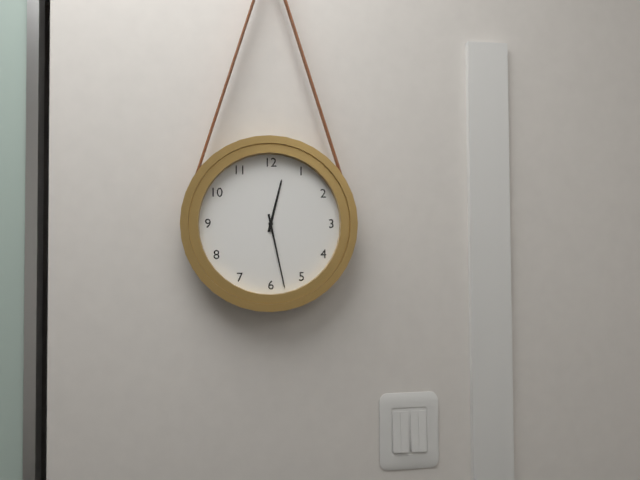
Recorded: 12.28
